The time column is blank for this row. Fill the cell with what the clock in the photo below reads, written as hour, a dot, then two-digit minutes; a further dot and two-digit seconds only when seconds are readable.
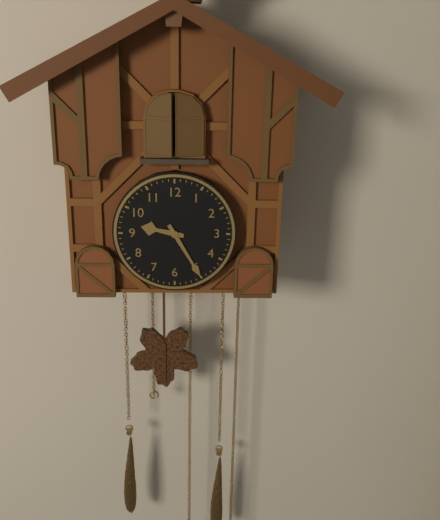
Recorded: 9.25
